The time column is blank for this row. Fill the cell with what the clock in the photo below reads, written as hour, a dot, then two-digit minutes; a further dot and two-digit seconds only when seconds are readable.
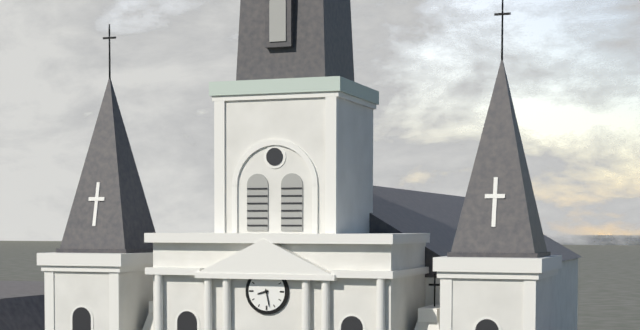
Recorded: 8.28
